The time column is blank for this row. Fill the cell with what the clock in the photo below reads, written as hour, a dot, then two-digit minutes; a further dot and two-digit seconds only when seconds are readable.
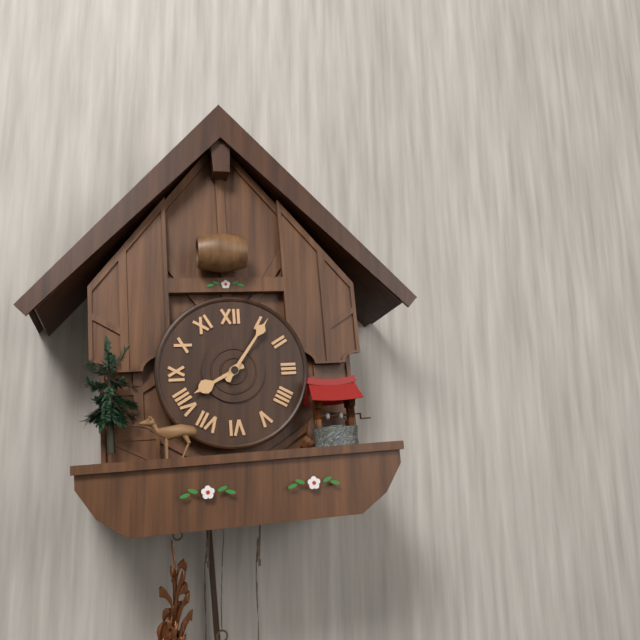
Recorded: 8.06
